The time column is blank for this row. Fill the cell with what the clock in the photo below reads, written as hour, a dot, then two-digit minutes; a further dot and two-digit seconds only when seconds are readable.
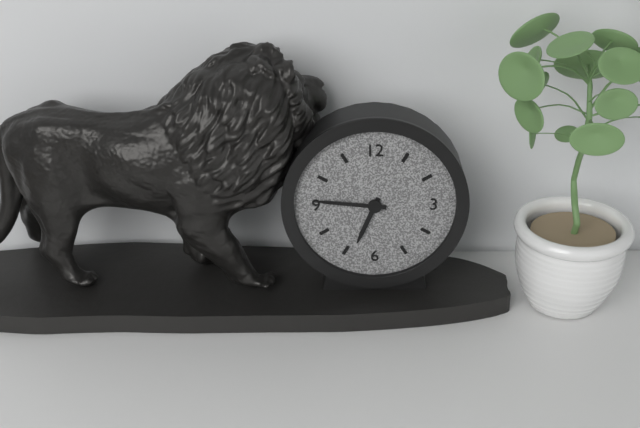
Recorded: 6.46
